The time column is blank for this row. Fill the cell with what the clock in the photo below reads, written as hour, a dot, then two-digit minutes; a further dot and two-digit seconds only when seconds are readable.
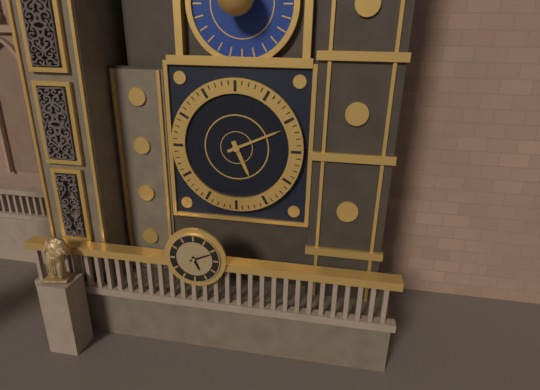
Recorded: 5.11
